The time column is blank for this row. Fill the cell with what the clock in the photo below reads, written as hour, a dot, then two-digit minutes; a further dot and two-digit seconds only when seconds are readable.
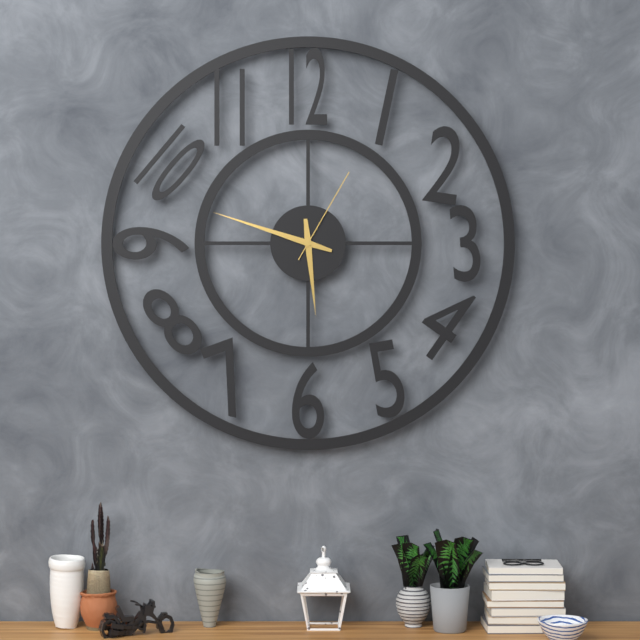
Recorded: 5.48.05
